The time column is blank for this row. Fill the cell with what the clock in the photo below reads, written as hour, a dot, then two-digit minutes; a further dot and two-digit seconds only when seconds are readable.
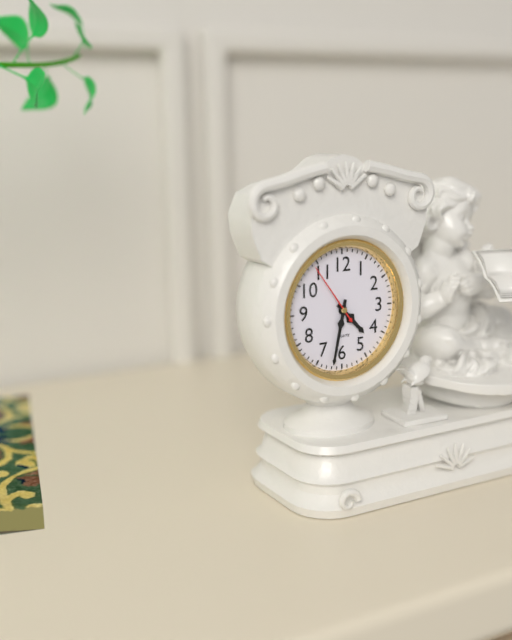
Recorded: 4.32.54
